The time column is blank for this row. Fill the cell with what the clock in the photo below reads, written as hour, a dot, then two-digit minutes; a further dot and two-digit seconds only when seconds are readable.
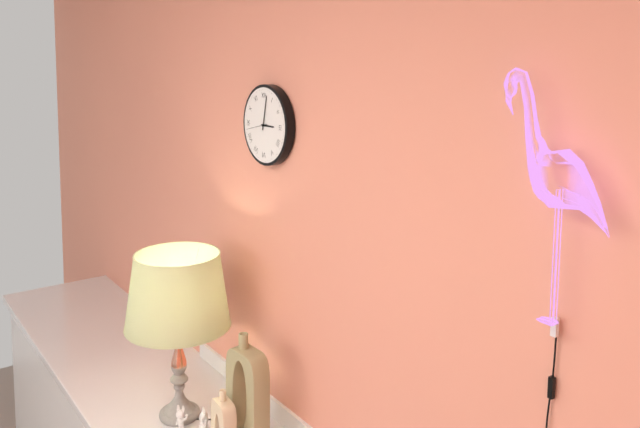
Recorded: 3.02
